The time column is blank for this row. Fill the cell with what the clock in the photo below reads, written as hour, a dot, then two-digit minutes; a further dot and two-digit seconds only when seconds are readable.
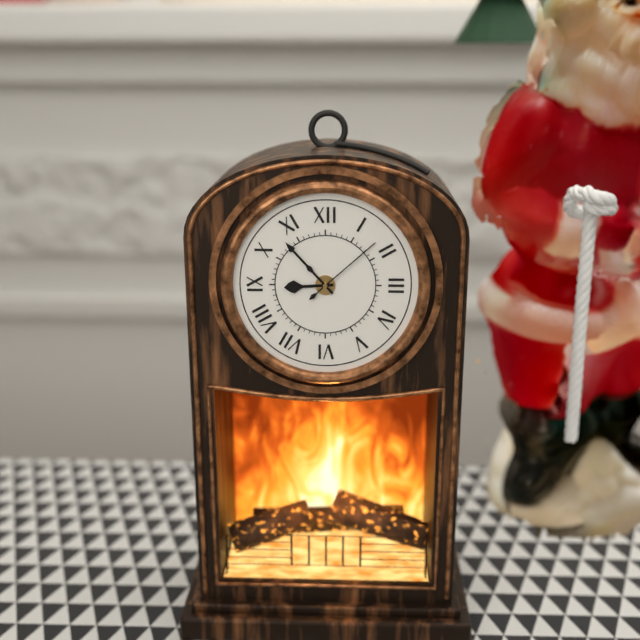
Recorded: 8.53.08
